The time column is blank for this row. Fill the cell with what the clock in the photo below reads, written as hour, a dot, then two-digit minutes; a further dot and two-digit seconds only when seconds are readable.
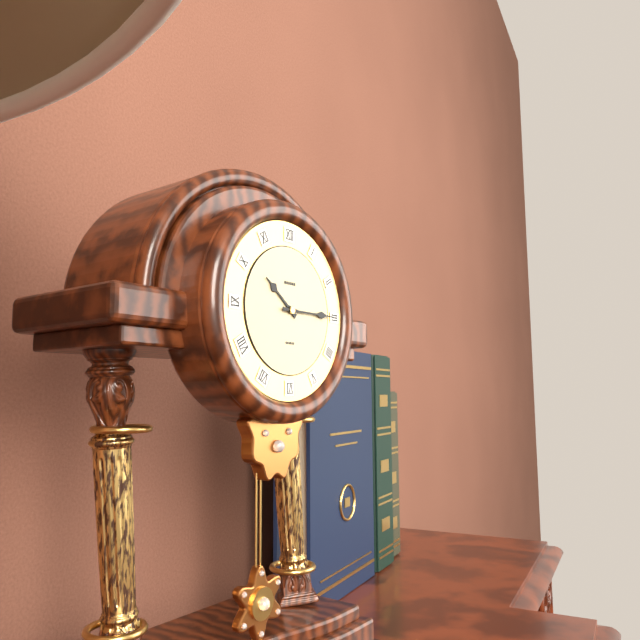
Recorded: 10.15
